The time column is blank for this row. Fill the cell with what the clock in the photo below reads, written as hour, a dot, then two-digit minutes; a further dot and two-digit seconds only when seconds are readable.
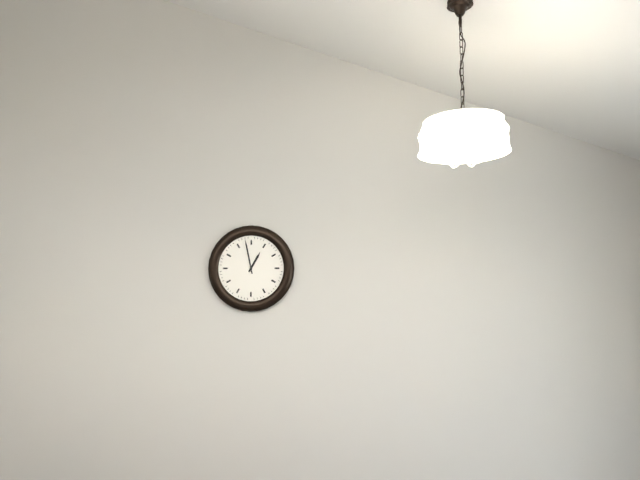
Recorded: 12.58
